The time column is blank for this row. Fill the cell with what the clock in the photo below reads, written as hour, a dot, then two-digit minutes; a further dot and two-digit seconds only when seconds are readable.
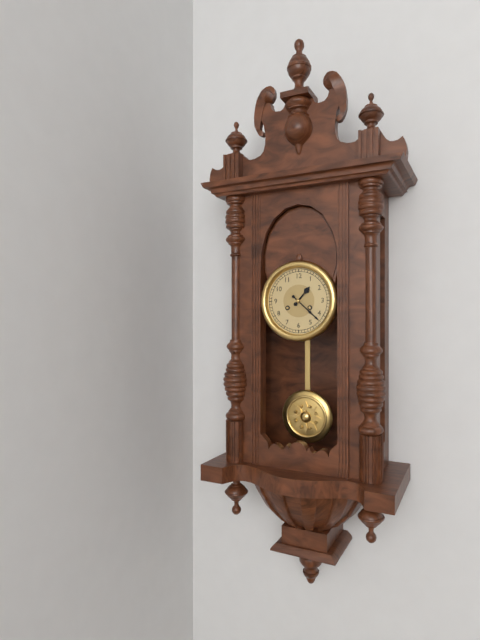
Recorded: 1.22
